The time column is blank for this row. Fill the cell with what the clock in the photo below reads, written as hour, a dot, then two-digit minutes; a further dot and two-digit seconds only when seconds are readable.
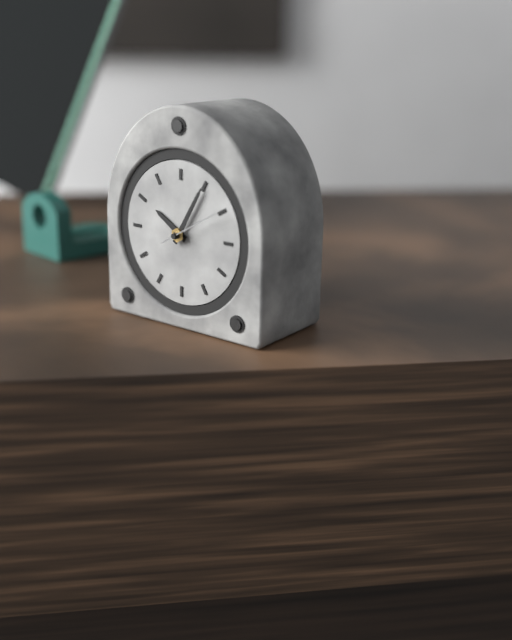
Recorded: 10.05.10
